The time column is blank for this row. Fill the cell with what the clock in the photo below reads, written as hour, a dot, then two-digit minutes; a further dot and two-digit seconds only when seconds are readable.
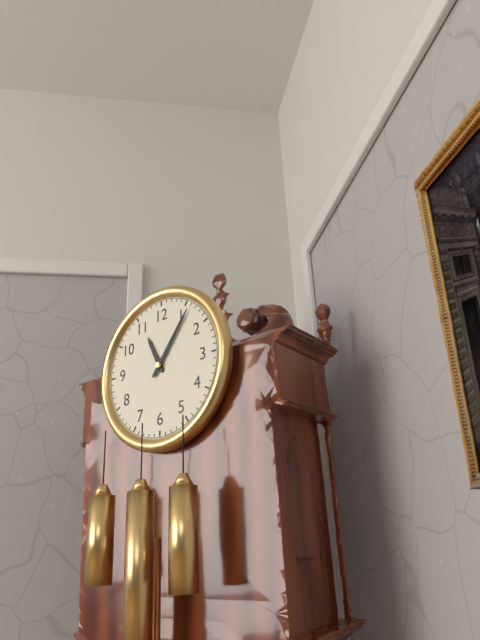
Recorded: 11.06
